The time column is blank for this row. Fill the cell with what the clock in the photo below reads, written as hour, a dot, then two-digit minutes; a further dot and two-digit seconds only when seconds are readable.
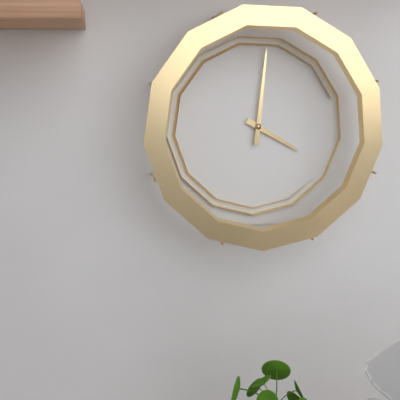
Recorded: 4.01
